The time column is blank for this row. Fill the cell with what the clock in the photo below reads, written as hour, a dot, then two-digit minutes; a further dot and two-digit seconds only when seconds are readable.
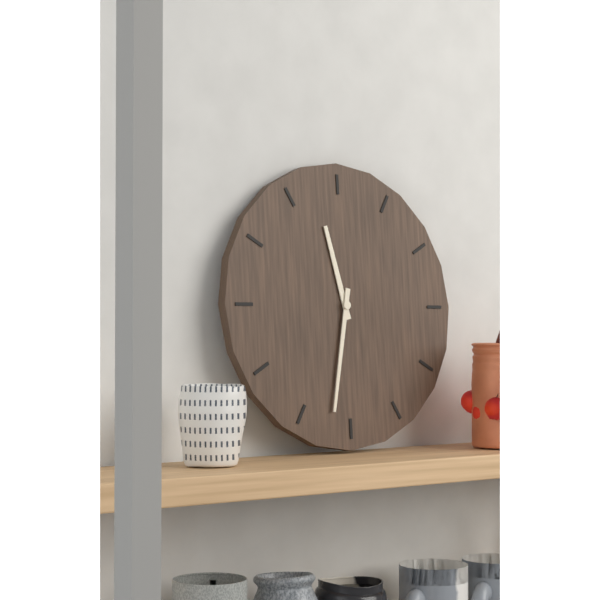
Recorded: 11.32
